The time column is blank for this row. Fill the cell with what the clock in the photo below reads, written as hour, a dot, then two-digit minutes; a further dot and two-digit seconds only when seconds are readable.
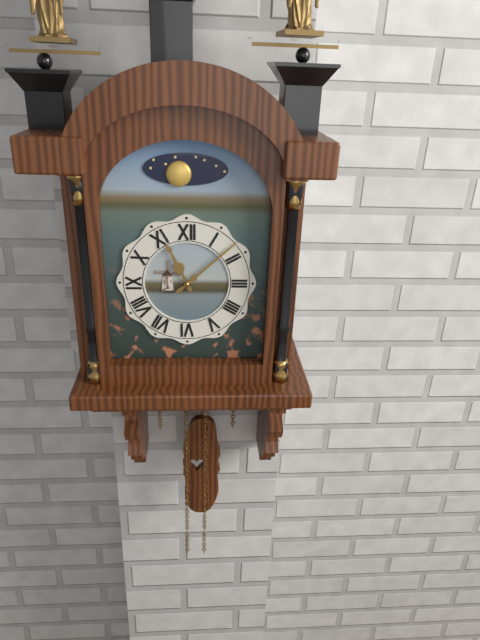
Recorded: 11.08
